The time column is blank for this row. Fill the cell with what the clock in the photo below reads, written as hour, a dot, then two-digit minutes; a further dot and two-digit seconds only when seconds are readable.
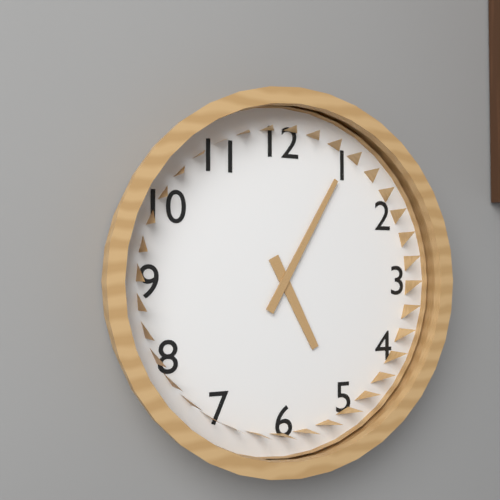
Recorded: 5.05
